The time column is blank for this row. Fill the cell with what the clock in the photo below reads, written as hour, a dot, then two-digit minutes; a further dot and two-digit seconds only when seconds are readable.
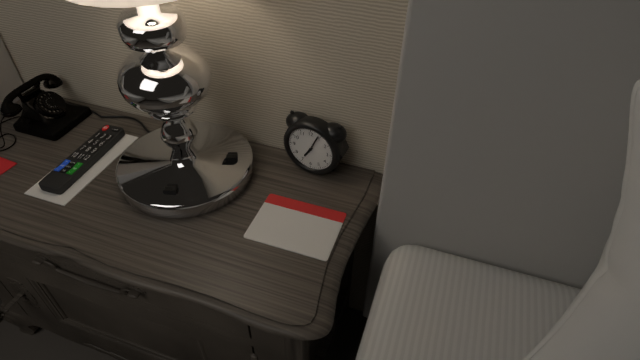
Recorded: 7.04
